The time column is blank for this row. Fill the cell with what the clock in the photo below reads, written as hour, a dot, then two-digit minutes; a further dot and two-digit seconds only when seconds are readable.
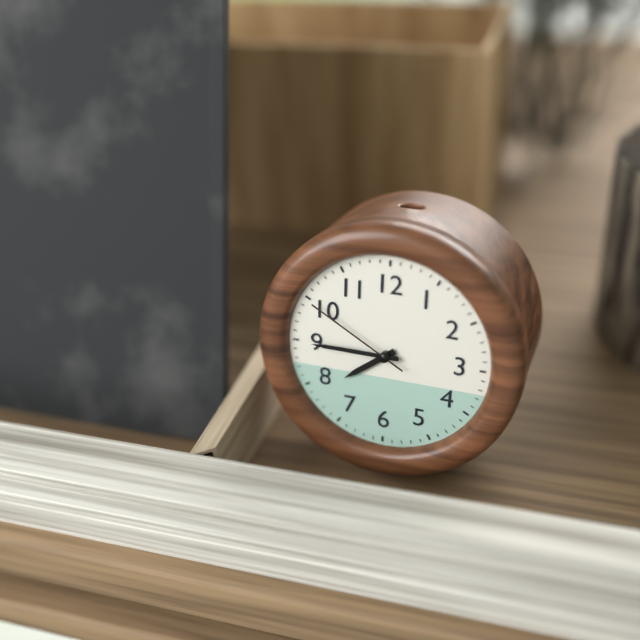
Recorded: 7.45.50
